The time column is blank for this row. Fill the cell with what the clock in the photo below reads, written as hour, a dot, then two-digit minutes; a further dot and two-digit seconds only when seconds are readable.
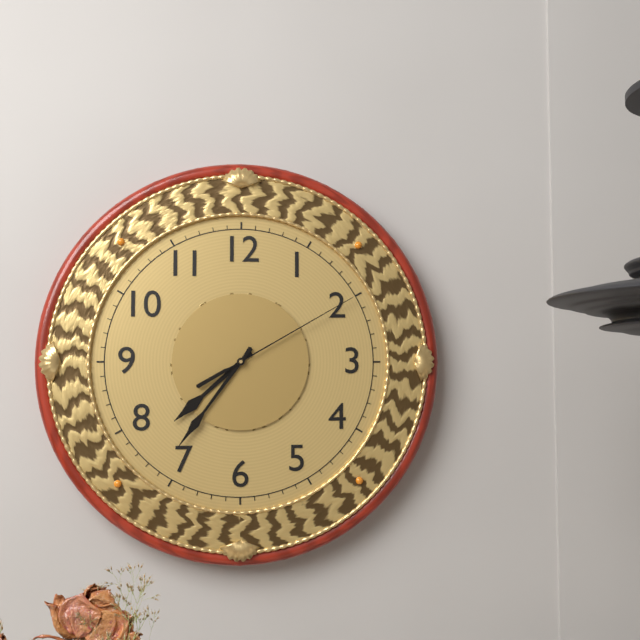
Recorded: 7.36.10
